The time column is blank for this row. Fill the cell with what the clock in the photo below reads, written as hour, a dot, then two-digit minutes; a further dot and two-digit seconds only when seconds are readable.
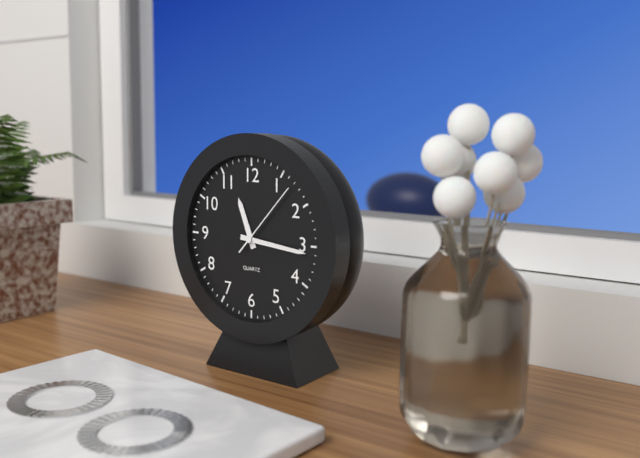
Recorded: 11.16.07
